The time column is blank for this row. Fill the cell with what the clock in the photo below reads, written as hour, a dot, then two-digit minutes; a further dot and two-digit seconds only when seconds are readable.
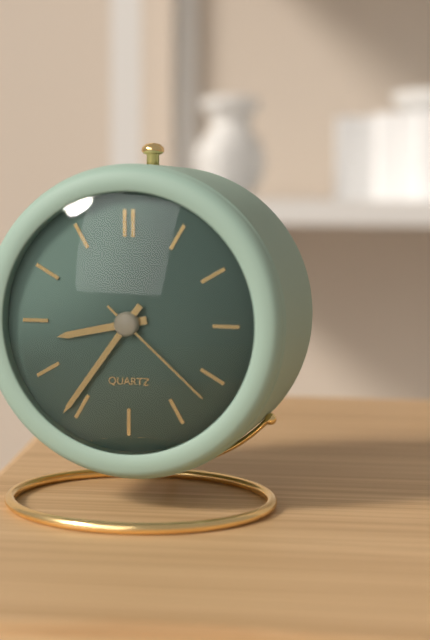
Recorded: 8.36.22
